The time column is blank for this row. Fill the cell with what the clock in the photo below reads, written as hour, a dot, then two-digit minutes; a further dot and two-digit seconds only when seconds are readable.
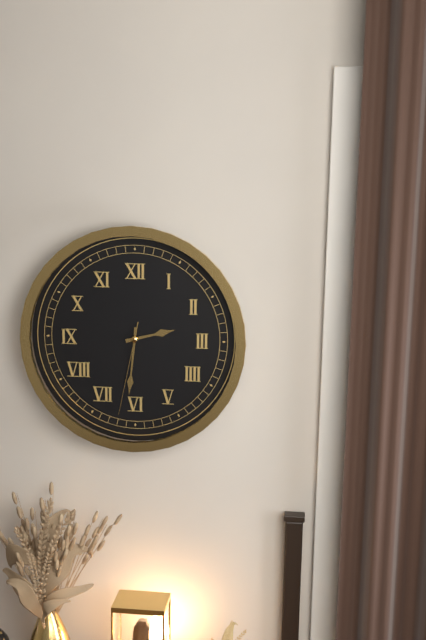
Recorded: 2.31.32
